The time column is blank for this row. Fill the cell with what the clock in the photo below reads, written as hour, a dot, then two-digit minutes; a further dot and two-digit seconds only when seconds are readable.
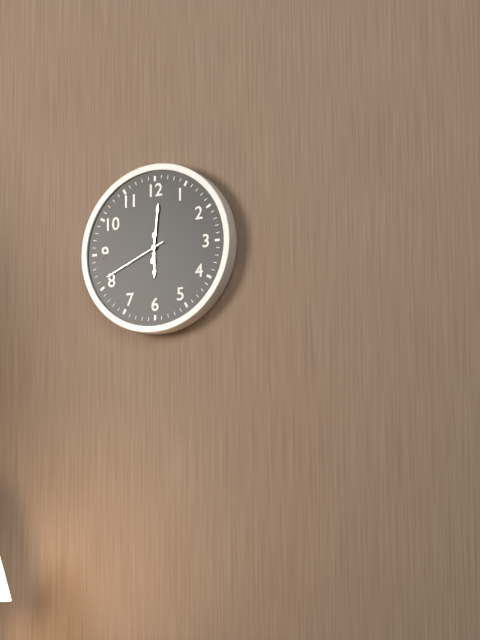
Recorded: 6.01.41
